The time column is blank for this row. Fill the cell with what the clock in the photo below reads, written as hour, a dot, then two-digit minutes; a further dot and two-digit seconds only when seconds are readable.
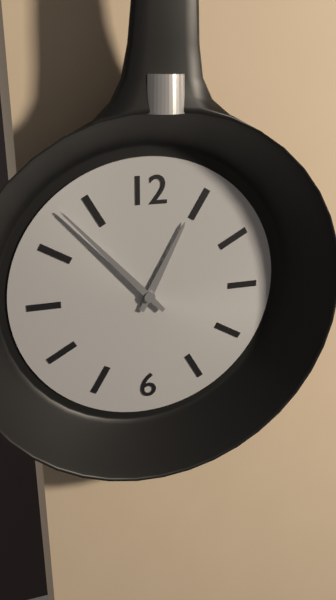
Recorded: 12.53
